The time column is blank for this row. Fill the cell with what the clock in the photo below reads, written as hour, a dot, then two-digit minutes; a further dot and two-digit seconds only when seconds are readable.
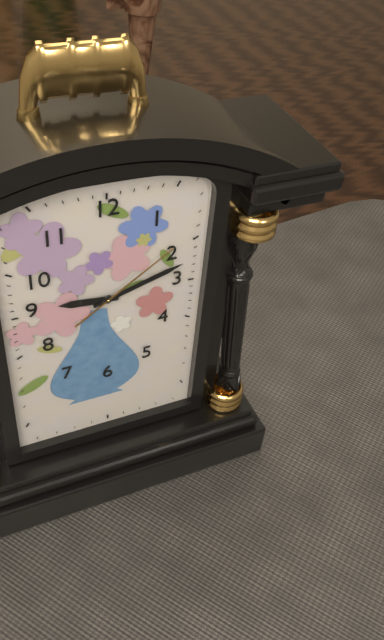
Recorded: 9.12.09
